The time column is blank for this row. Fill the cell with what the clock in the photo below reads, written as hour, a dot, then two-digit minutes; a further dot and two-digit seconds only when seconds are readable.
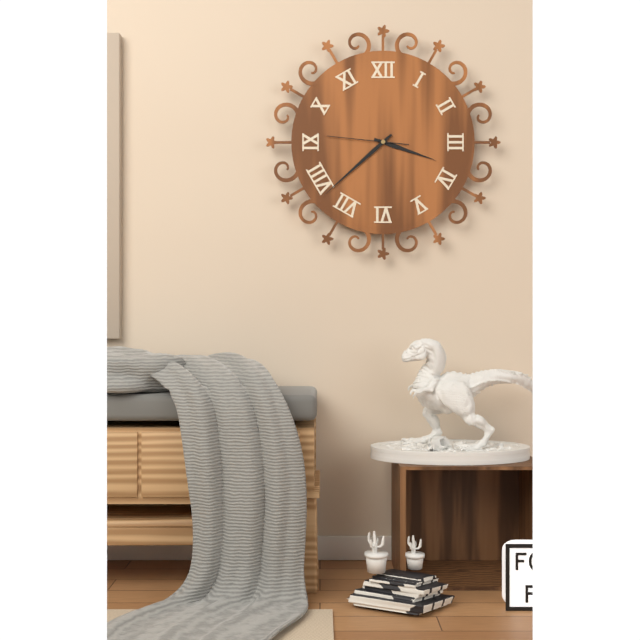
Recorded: 3.38.46
